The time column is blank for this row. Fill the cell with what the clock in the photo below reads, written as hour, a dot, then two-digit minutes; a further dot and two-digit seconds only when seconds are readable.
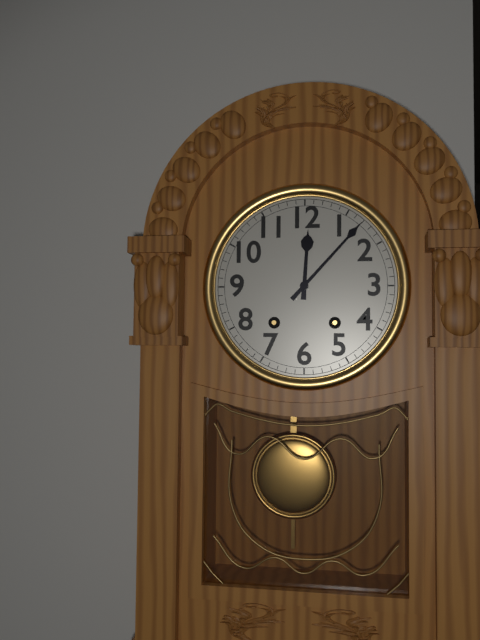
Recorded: 12.07
